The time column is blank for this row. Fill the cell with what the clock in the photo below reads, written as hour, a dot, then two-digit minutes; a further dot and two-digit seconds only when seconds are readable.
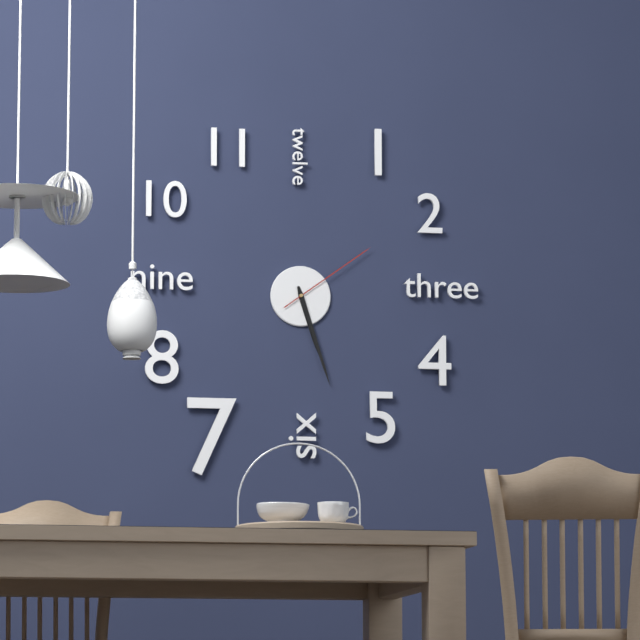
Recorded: 5.27.09
